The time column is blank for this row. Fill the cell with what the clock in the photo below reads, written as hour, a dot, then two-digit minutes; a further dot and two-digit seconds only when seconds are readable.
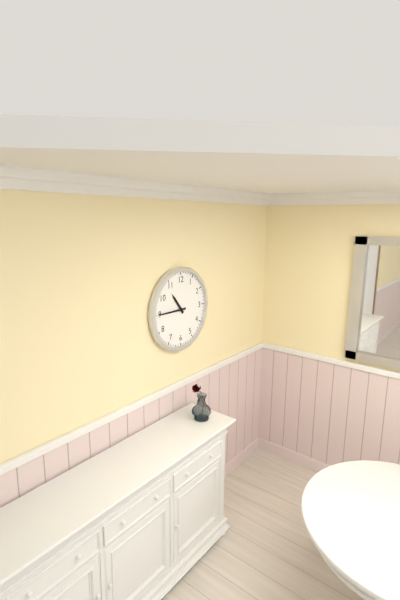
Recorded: 10.45
